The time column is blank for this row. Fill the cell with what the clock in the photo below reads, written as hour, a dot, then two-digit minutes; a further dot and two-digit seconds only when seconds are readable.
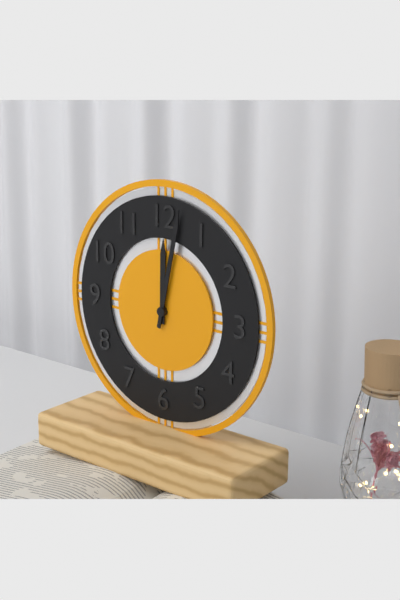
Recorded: 12.02
